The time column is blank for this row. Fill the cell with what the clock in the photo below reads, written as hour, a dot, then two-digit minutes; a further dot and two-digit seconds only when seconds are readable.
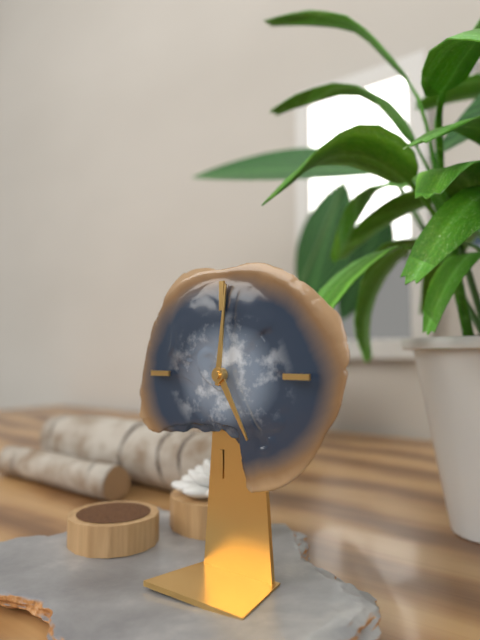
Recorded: 5.01
